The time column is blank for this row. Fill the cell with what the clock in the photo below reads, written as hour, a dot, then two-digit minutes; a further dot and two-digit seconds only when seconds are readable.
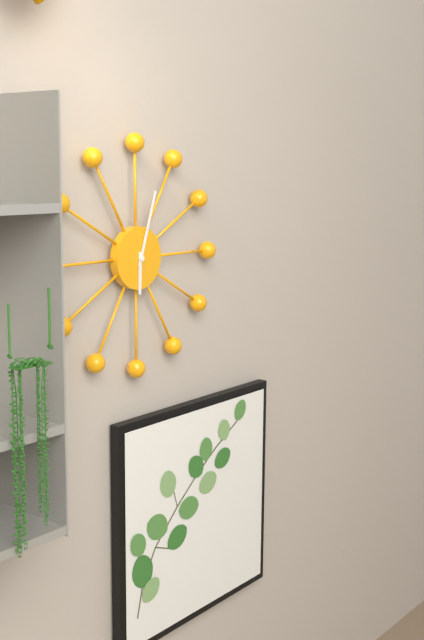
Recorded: 6.03
